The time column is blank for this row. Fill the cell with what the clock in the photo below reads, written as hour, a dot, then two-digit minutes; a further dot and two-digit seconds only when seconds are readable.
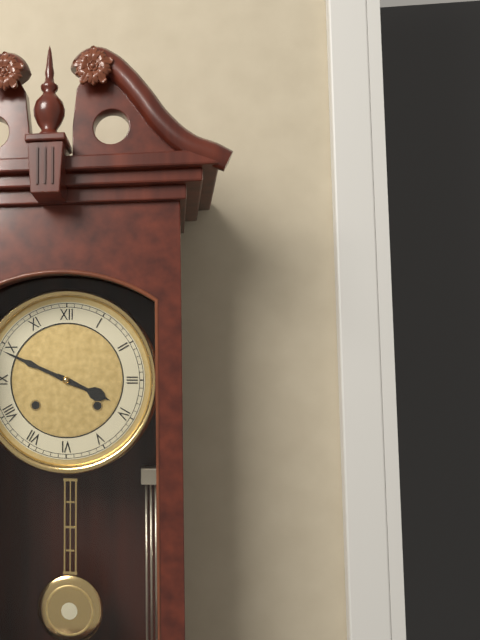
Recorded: 3.49
